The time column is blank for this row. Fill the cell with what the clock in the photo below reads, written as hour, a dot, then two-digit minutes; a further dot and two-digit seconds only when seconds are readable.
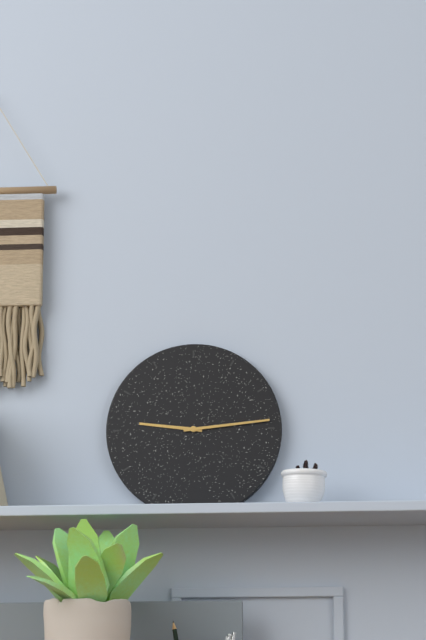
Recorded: 9.14
